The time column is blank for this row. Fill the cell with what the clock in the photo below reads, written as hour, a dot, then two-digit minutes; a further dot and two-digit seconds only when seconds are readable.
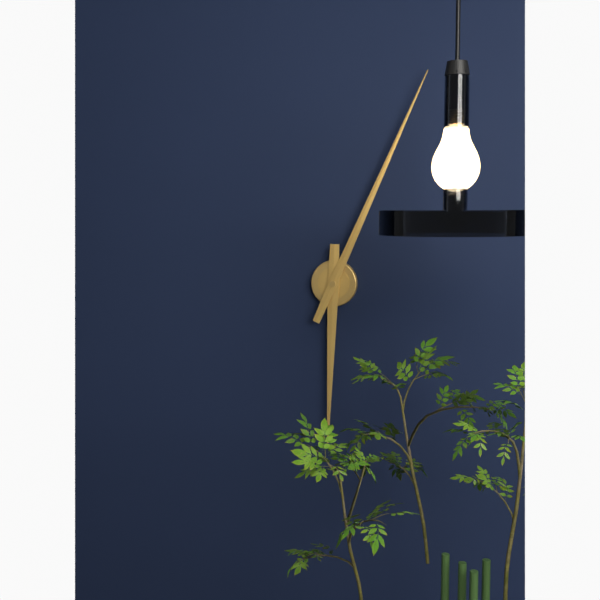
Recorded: 6.04
